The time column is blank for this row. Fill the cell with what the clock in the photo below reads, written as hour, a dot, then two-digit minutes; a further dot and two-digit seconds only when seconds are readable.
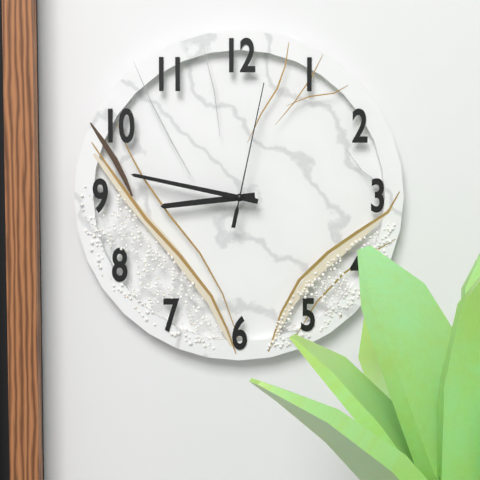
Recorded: 8.47.02
